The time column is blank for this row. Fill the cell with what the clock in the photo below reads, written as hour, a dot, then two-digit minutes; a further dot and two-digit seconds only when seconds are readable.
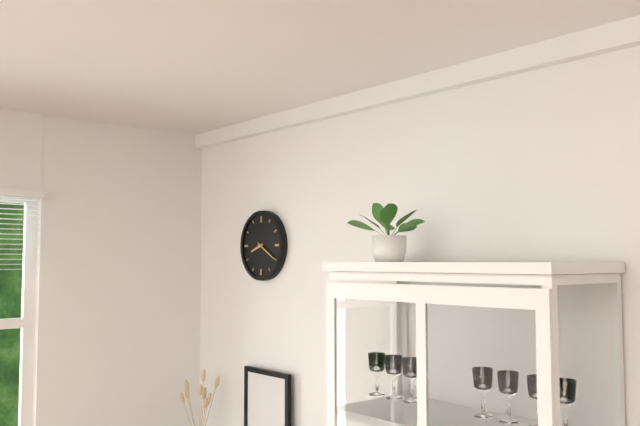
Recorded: 8.20
